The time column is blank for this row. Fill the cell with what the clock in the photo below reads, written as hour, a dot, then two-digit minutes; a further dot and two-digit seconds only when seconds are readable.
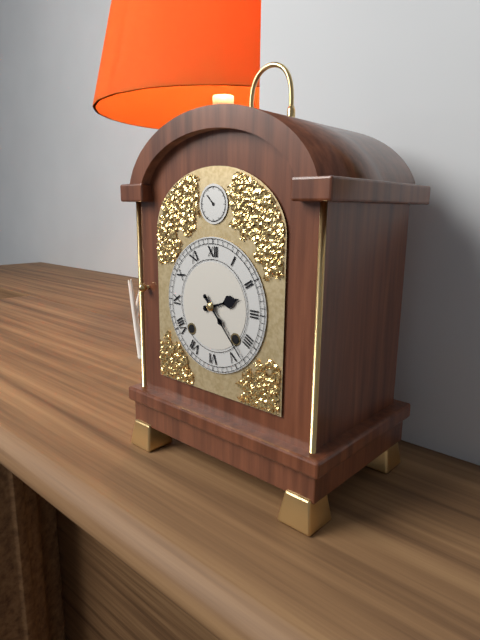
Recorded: 2.23
